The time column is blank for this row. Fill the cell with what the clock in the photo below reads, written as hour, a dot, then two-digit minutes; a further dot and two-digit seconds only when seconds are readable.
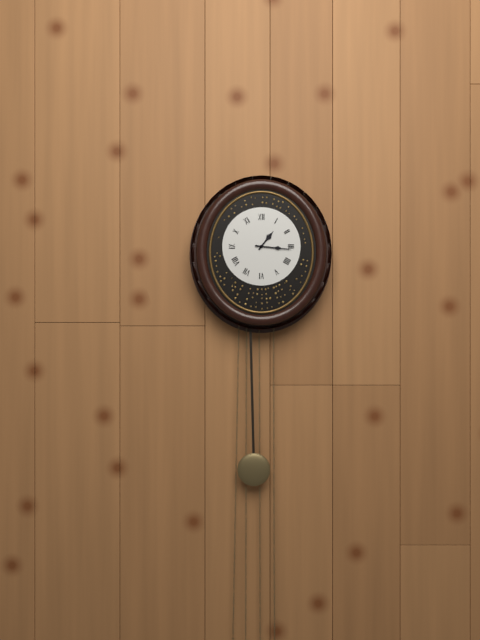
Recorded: 1.16
